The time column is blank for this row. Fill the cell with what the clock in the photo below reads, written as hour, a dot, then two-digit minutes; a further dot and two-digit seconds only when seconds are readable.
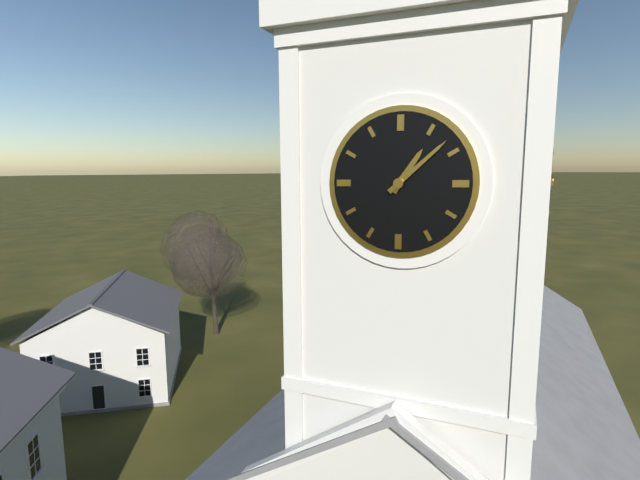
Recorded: 1.08
